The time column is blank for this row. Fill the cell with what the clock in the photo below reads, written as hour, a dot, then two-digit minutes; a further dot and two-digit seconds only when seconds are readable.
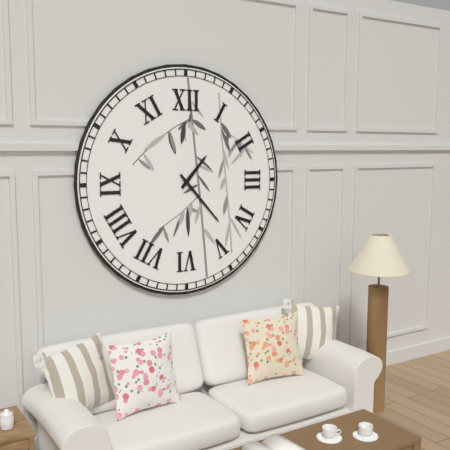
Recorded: 1.23
